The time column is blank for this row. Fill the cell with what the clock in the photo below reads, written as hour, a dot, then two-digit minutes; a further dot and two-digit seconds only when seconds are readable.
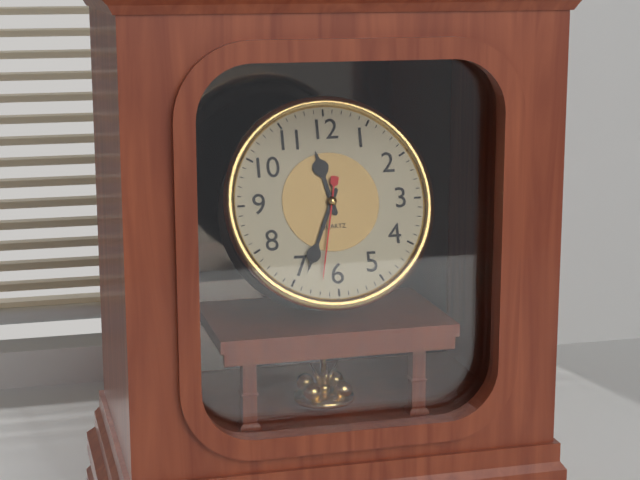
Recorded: 11.34.32
